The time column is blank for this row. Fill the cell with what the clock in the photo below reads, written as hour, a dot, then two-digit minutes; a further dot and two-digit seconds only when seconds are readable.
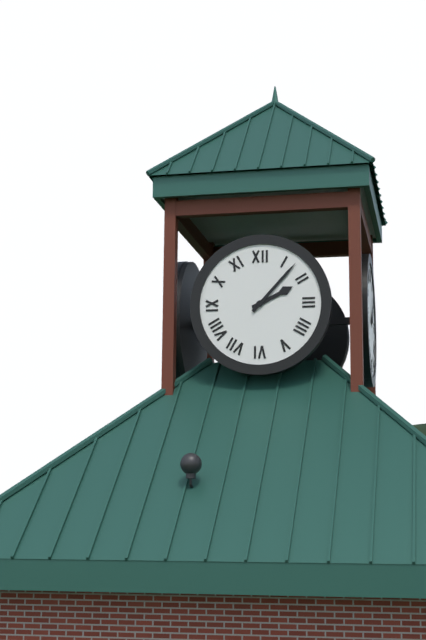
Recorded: 2.07
